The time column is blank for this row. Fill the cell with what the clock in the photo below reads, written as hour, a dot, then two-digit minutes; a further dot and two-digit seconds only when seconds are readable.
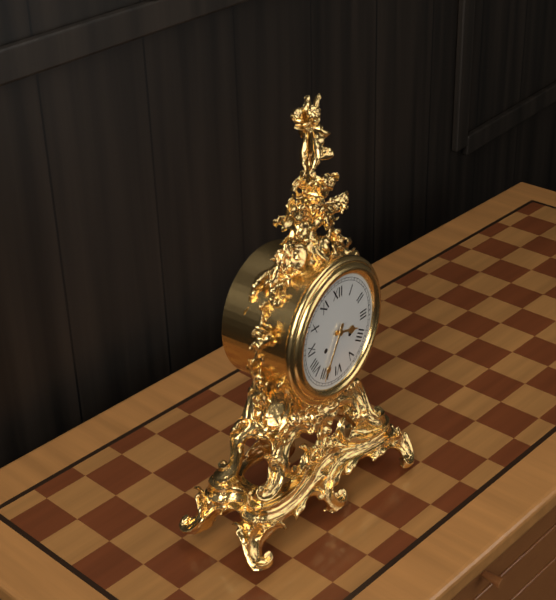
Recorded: 3.35
